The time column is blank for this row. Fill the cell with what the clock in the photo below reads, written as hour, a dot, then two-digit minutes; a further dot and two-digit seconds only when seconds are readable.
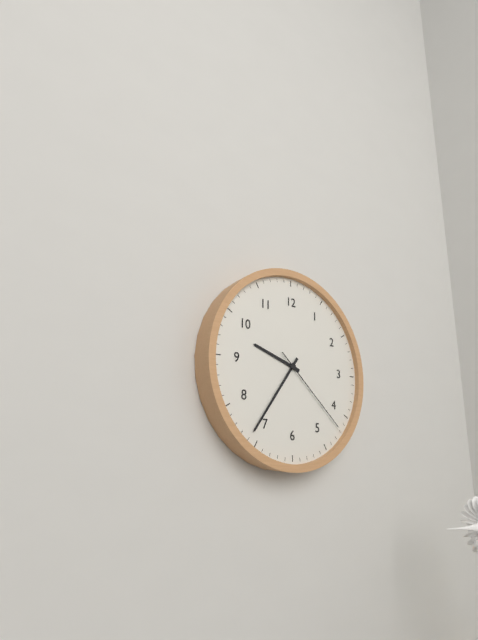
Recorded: 9.36.22
